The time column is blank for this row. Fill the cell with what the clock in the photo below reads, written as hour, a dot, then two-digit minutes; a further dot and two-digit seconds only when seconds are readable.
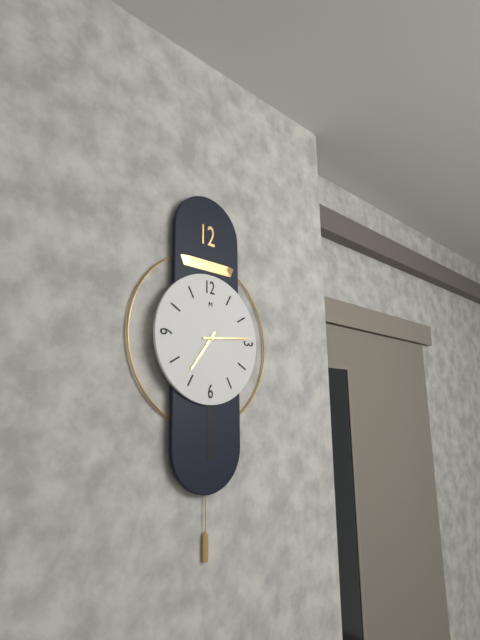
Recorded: 7.14
